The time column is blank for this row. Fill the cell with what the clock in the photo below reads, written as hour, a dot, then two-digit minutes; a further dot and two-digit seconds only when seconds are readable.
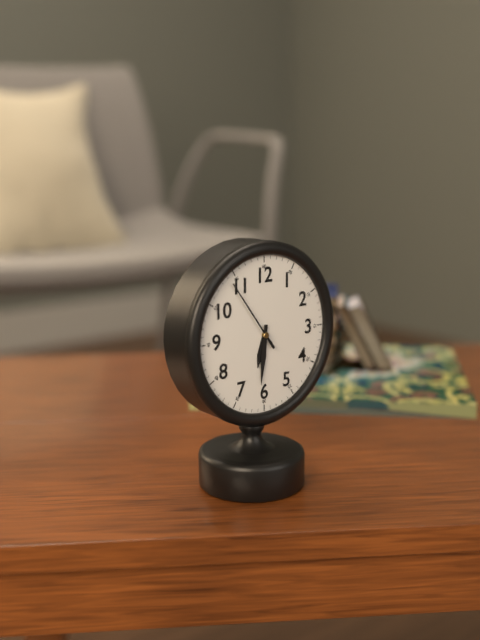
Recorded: 6.31.54
